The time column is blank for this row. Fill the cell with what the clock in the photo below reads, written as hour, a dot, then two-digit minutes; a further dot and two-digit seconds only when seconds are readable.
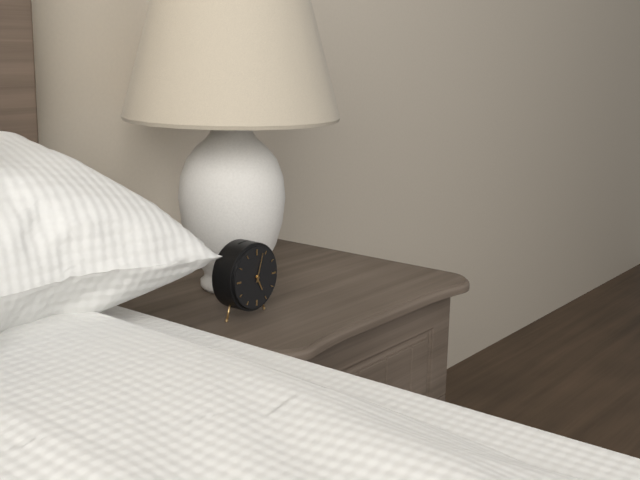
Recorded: 5.03
